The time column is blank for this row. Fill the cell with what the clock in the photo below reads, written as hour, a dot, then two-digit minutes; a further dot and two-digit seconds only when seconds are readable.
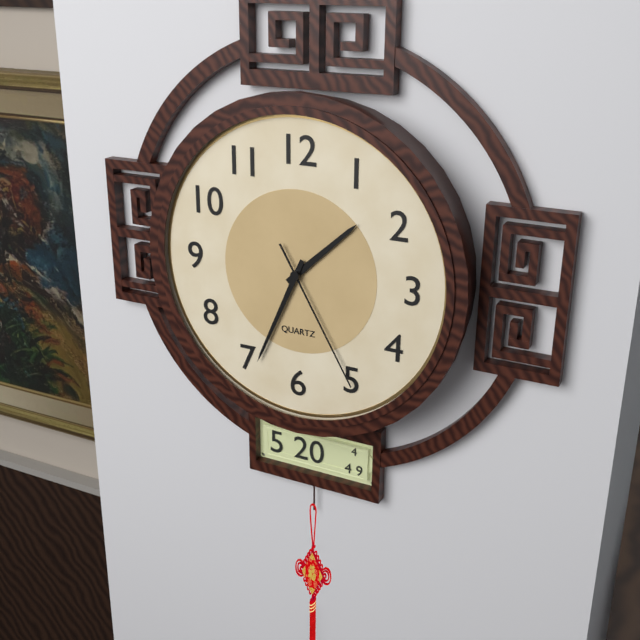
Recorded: 1.34.25
